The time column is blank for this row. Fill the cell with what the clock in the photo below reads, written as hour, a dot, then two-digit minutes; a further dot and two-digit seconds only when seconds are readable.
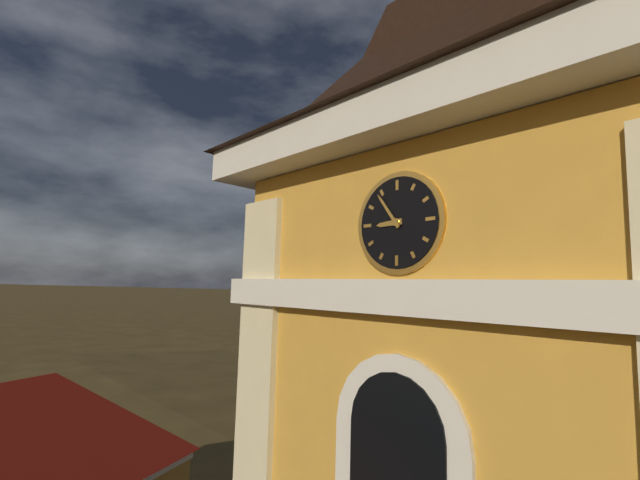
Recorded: 8.54
